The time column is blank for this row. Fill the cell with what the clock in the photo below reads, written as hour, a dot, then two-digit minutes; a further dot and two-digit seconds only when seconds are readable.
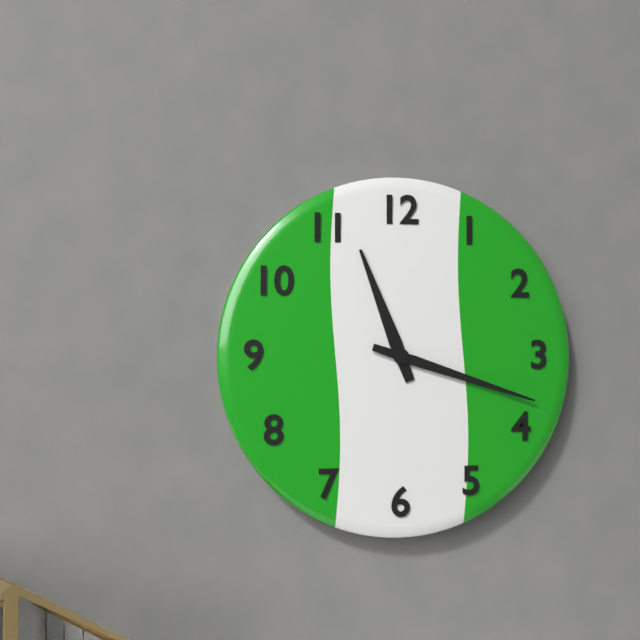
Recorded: 11.18
